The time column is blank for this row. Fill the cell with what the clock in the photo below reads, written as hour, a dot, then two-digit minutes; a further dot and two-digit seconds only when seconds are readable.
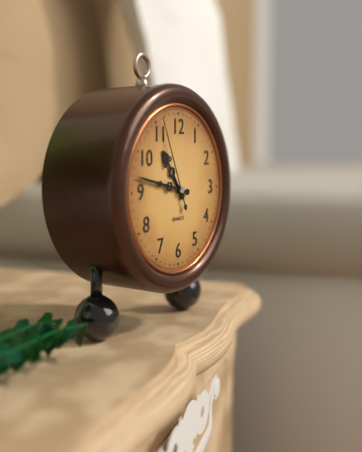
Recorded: 10.47.56
